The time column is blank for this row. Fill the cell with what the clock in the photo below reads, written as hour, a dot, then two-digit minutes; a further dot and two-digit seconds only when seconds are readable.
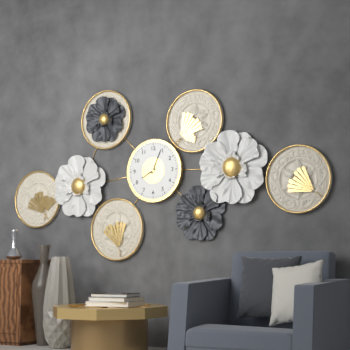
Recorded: 8.04
